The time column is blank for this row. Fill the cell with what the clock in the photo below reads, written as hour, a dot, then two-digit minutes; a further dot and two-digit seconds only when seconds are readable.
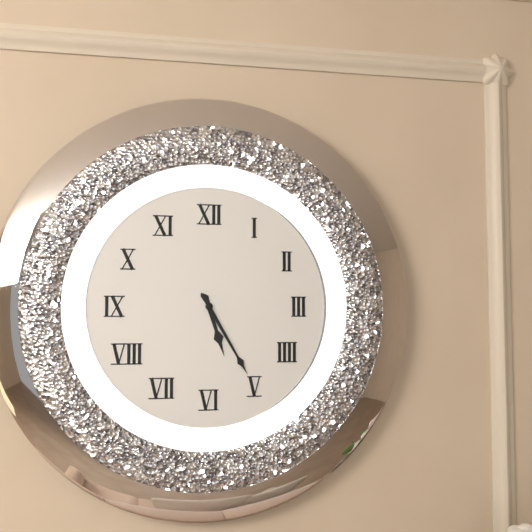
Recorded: 5.25
